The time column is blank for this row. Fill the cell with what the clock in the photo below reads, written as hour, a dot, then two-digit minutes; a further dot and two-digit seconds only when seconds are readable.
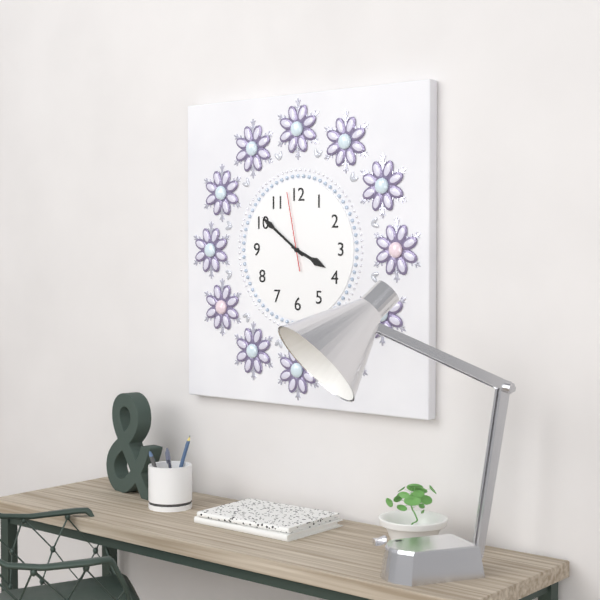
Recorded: 3.51.58
